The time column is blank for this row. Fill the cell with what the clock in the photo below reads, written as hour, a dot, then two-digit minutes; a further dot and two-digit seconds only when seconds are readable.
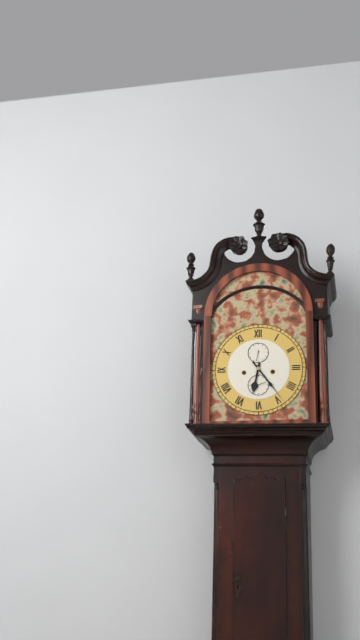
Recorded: 6.24
